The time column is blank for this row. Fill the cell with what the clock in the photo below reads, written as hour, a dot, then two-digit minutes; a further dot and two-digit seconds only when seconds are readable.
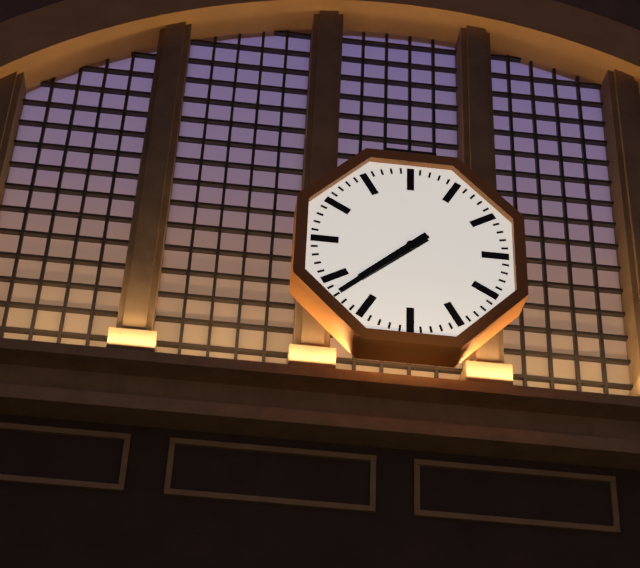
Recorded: 7.38
